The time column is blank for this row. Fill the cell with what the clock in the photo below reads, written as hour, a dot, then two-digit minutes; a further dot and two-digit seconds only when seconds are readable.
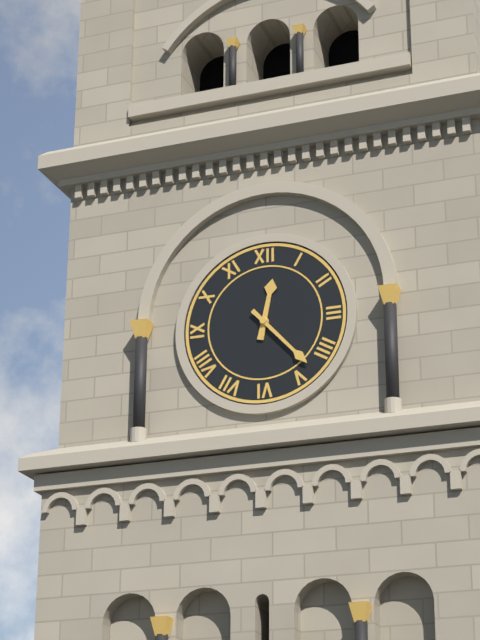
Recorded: 12.23
